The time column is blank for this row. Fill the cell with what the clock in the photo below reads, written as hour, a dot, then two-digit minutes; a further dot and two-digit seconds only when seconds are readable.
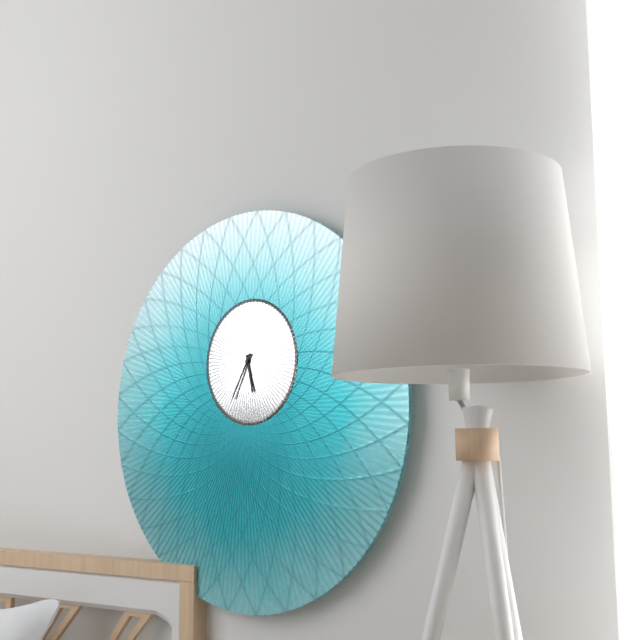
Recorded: 5.35
